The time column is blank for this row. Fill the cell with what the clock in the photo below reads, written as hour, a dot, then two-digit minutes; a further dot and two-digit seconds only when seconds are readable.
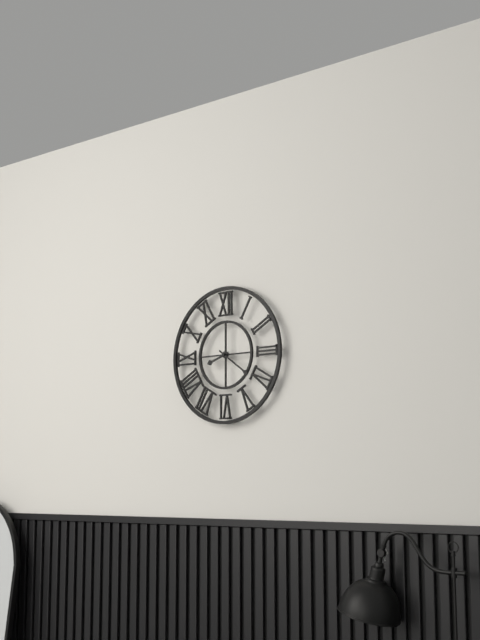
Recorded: 8.21
